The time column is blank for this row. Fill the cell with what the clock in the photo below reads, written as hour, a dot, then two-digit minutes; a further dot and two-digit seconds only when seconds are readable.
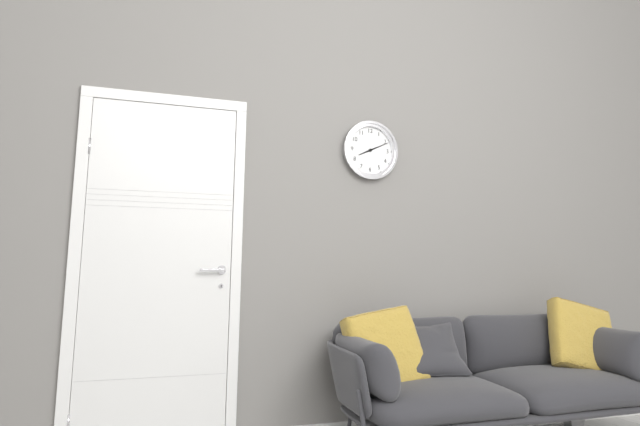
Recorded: 8.11
